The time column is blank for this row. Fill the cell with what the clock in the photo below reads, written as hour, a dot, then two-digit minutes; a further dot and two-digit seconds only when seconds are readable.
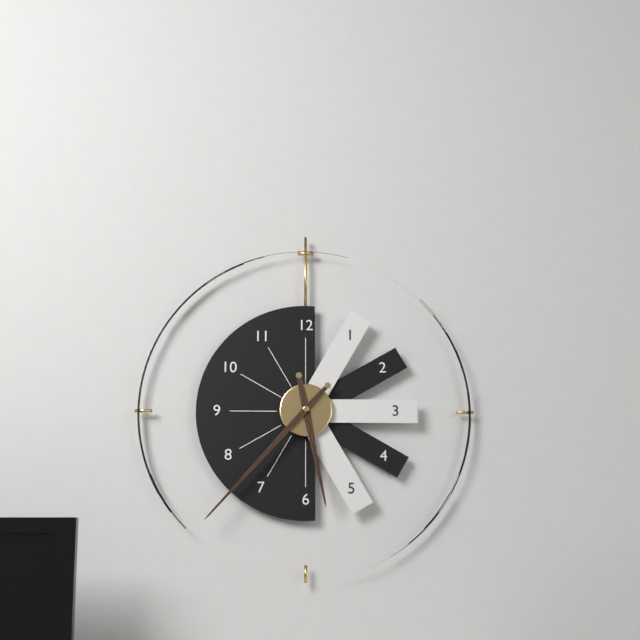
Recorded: 5.37
